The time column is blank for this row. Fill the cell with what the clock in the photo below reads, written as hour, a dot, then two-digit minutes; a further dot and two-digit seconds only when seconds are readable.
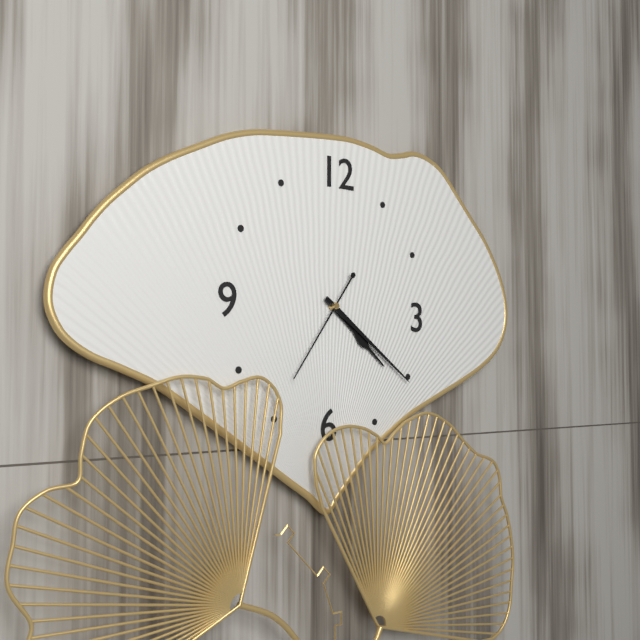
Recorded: 4.21.36
